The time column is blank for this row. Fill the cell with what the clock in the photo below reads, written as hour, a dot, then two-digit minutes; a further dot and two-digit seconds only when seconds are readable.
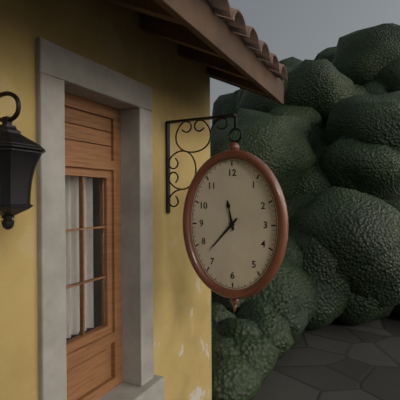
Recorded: 11.37
